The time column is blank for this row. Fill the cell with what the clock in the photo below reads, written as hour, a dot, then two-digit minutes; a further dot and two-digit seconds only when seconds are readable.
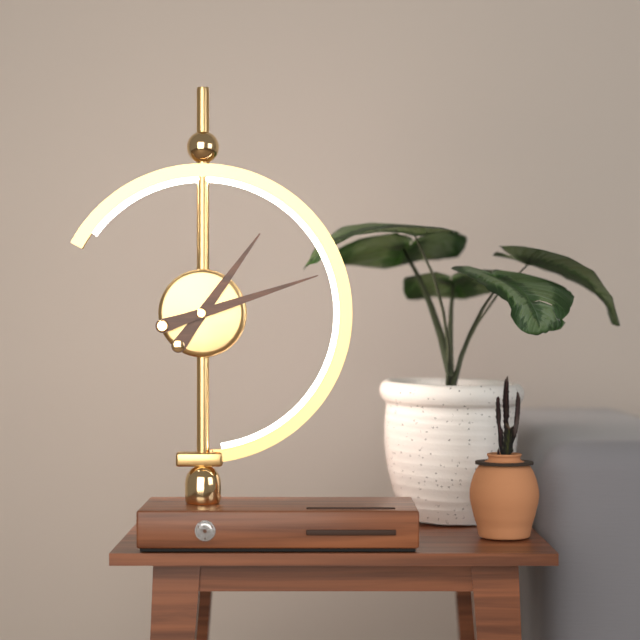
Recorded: 1.12
